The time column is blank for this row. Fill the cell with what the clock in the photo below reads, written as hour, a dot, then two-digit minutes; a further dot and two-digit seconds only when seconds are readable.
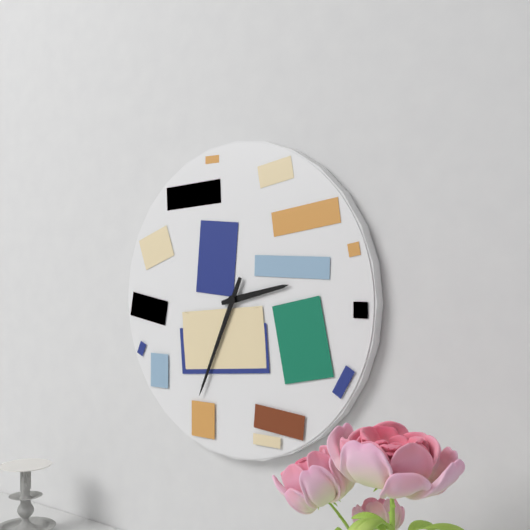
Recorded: 2.34
